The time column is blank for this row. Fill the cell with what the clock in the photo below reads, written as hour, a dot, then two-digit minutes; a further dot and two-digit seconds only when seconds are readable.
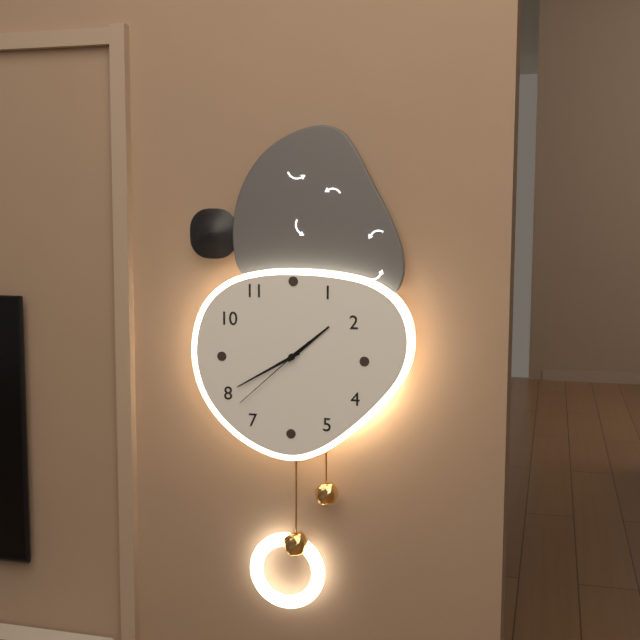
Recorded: 1.40.38
